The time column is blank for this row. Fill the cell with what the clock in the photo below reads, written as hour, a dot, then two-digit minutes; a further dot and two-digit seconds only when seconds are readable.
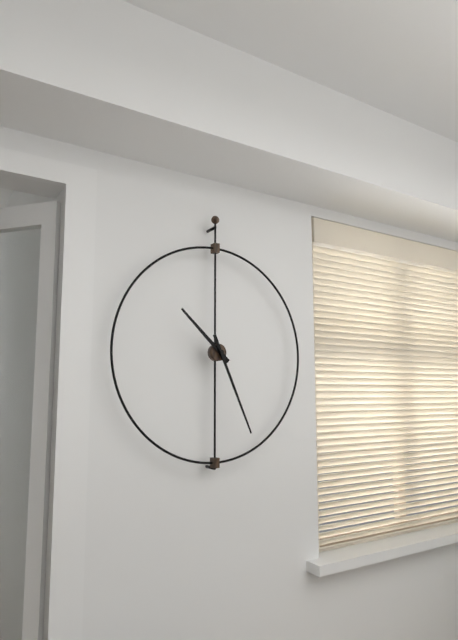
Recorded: 10.26
